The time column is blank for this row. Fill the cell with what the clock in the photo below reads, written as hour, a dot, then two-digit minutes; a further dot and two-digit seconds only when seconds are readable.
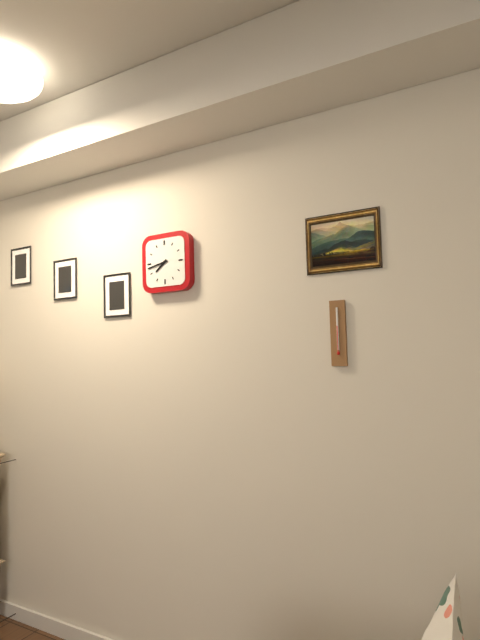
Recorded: 7.43
